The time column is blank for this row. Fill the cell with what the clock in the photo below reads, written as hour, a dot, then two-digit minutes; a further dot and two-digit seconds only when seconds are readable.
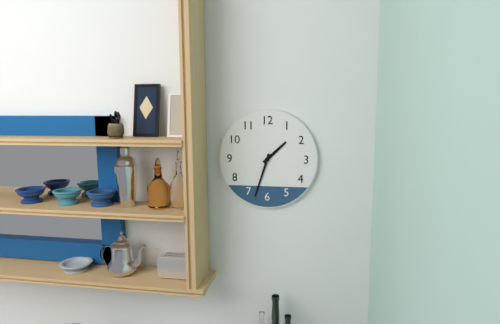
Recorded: 1.33
